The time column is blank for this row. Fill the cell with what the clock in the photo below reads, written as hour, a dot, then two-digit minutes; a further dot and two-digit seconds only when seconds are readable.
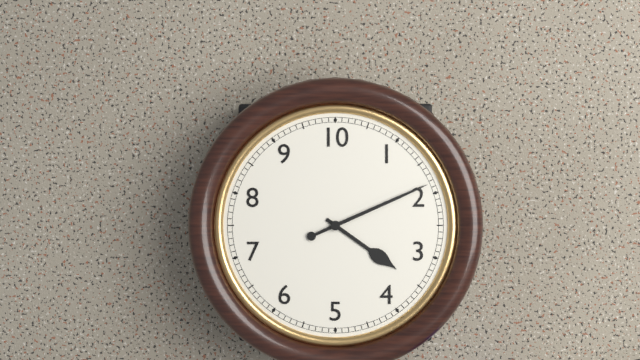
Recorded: 4.11
